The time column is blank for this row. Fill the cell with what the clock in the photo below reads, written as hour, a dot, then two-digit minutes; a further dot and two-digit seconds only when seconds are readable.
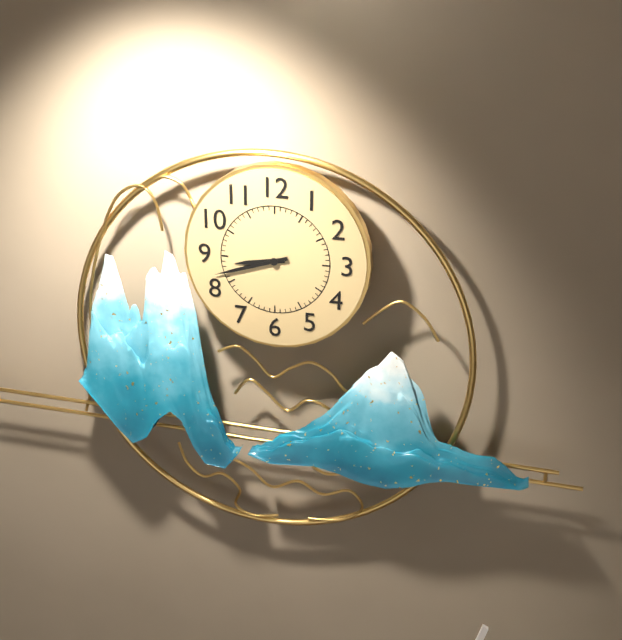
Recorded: 8.42
